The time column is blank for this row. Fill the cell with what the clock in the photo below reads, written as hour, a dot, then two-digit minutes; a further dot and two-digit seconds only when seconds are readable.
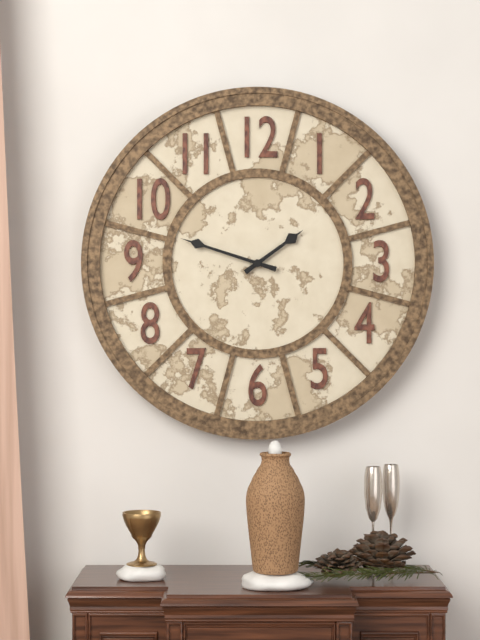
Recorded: 1.48
